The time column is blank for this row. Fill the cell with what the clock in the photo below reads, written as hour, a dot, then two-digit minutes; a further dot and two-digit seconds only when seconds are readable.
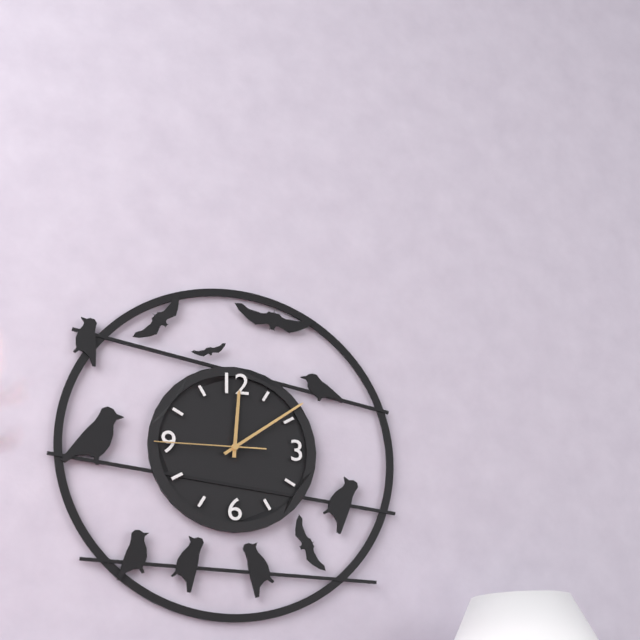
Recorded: 12.09.45
